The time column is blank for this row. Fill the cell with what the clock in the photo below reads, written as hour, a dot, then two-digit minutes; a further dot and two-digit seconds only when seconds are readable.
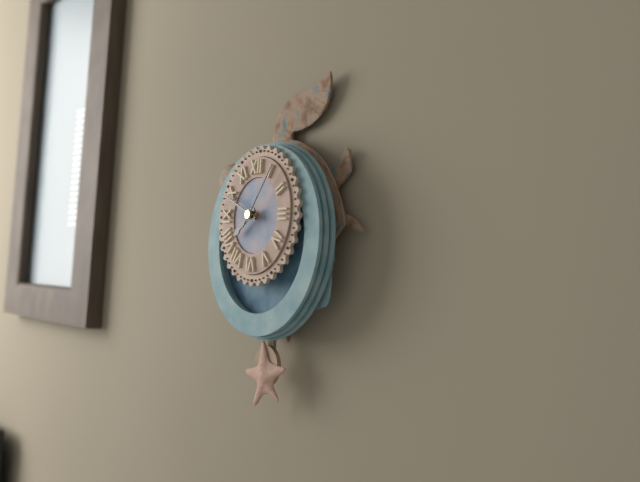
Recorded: 7.49.06
